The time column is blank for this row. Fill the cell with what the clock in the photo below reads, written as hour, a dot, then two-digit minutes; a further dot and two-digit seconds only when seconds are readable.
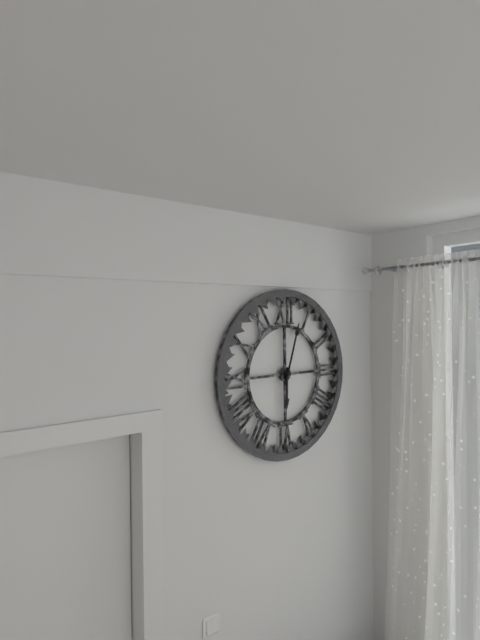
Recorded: 6.03
